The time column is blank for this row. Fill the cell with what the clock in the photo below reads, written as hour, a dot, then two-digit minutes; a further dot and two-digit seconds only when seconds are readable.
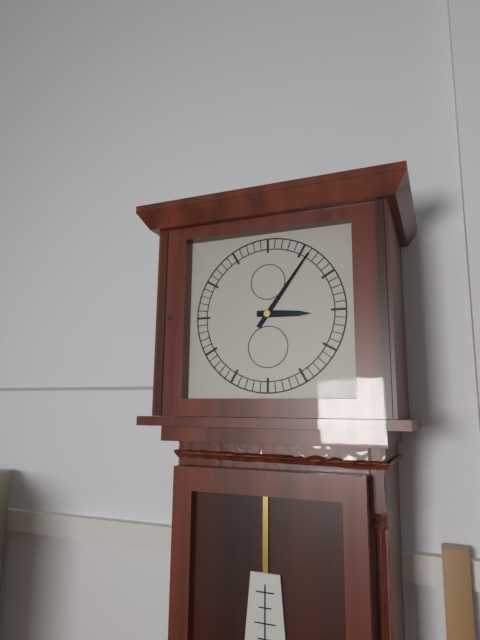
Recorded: 3.06
